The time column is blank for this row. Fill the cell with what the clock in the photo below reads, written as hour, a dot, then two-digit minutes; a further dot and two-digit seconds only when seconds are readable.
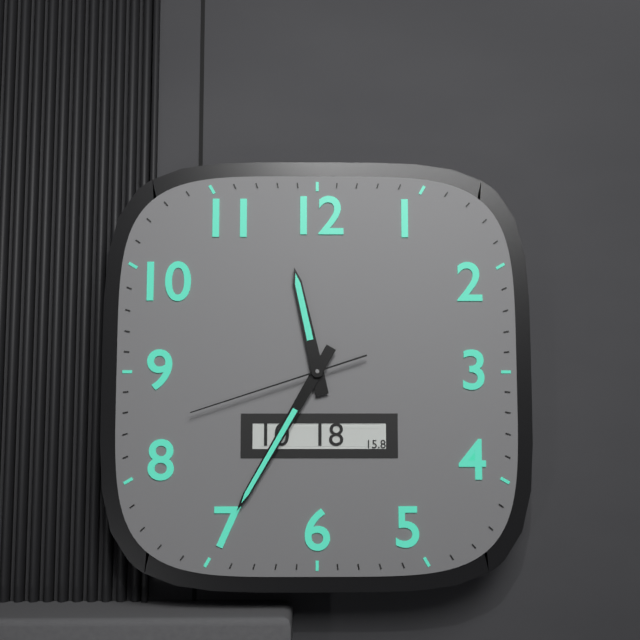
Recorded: 11.35.42
